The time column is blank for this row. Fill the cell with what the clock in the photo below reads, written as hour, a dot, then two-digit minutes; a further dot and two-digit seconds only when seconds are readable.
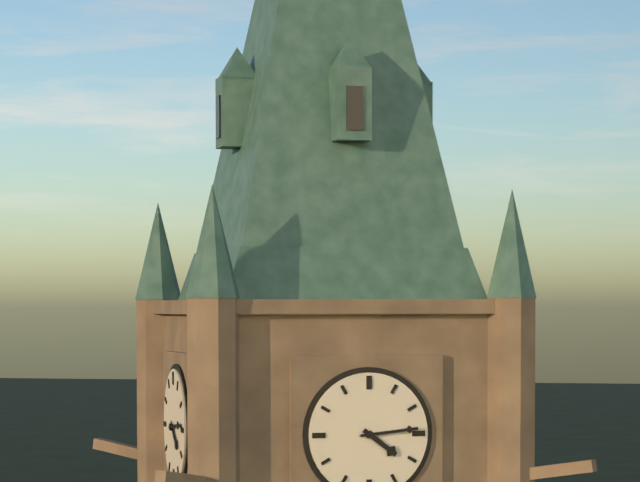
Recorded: 4.14
